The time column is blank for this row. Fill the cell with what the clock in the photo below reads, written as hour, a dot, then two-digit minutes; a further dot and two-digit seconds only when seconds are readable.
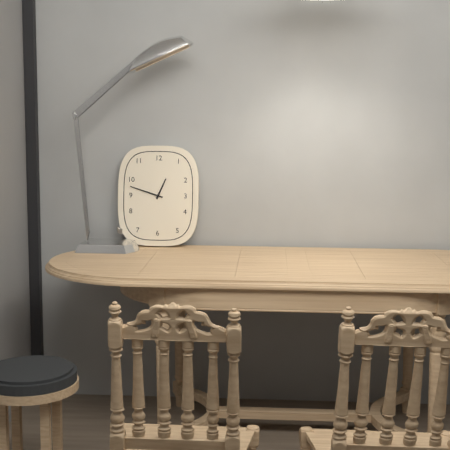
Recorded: 12.48
